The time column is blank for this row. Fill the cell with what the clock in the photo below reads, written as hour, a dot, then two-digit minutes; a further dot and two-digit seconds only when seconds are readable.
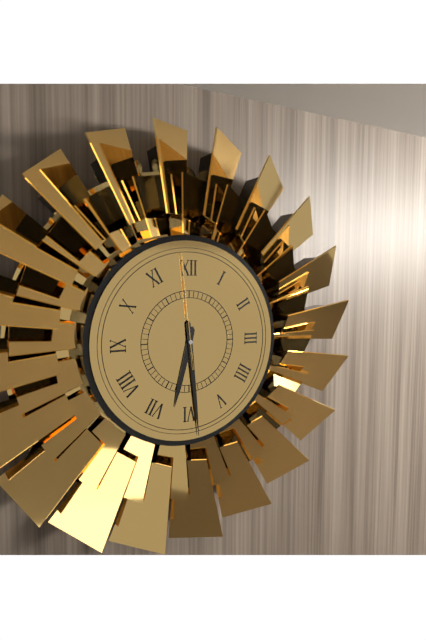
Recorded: 6.29.59
